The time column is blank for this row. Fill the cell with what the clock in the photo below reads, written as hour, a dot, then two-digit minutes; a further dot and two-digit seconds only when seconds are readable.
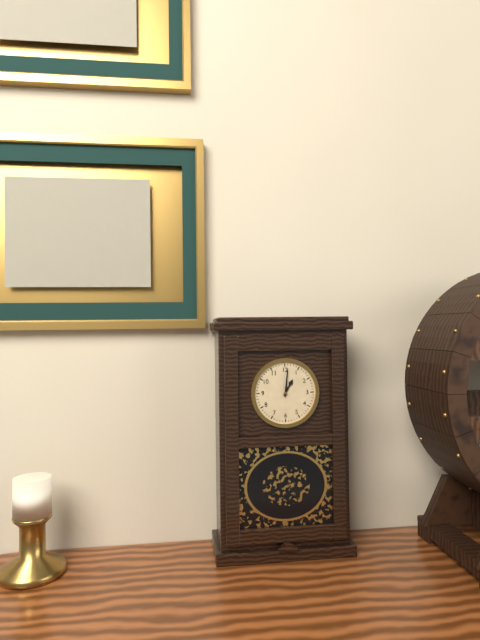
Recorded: 1.01
